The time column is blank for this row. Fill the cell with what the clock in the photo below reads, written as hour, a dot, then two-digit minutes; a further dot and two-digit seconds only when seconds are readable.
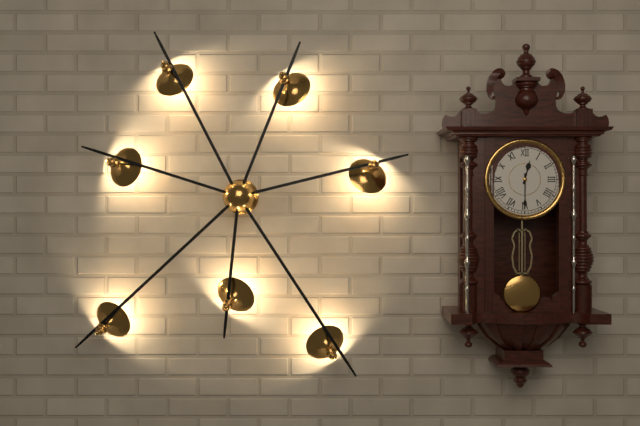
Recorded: 12.30
